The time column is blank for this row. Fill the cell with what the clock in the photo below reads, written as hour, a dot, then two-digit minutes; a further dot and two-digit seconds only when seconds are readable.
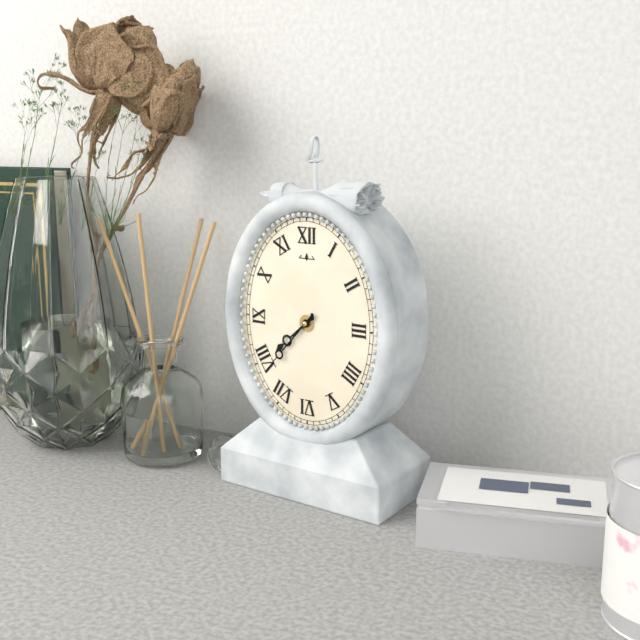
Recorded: 7.37
